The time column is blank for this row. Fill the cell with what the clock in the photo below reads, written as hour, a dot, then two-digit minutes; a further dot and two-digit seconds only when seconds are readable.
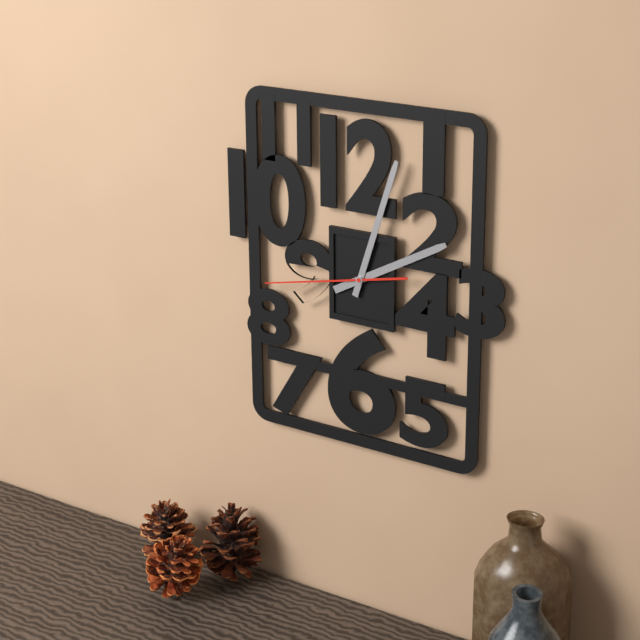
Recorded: 2.03.43
